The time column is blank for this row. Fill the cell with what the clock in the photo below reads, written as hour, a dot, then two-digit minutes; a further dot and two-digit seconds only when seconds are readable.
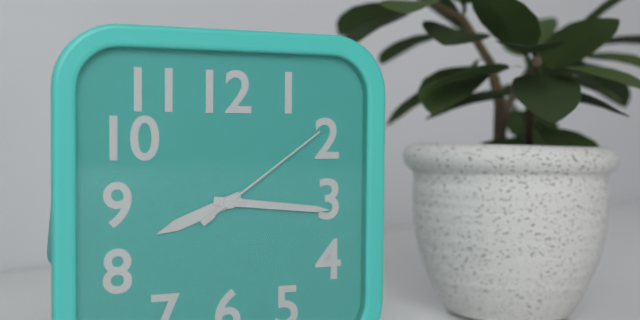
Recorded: 8.16.09
